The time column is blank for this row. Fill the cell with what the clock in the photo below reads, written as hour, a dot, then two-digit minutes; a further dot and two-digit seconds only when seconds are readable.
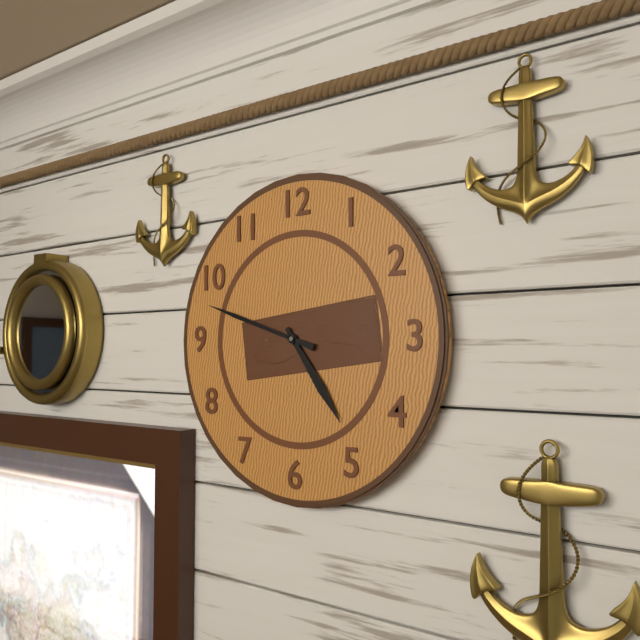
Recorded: 4.48
